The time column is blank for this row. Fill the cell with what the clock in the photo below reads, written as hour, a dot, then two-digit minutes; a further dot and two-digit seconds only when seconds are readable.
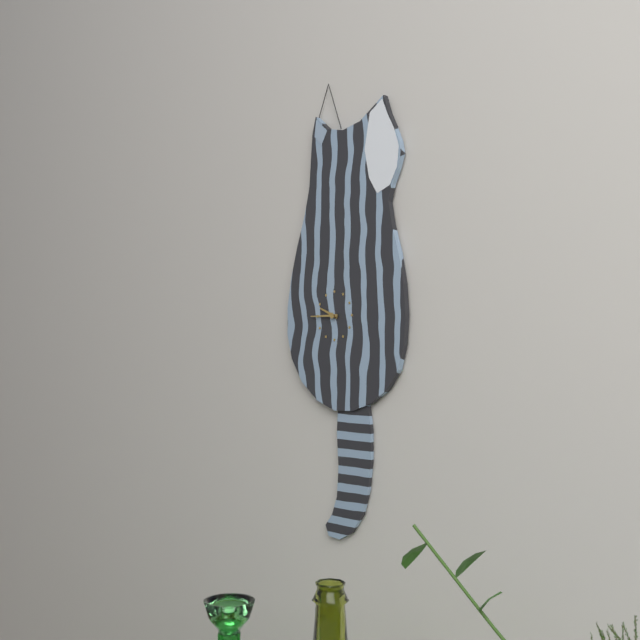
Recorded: 9.45
